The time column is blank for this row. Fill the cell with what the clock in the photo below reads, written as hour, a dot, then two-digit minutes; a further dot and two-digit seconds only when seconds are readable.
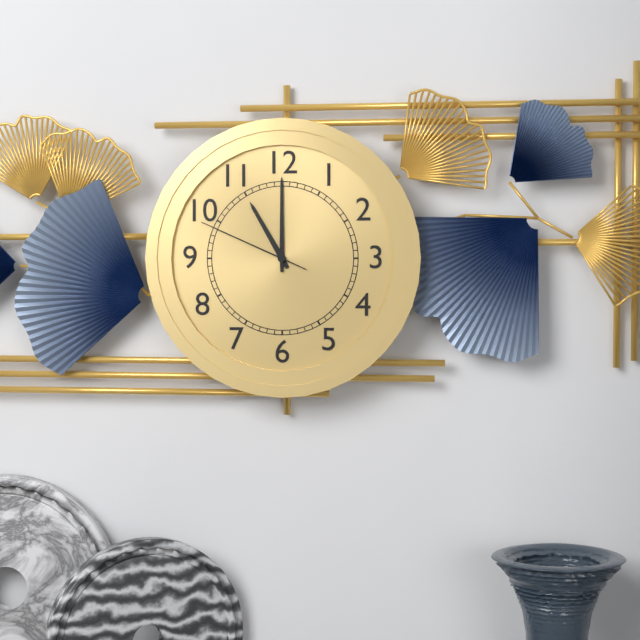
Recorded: 11.00.49
